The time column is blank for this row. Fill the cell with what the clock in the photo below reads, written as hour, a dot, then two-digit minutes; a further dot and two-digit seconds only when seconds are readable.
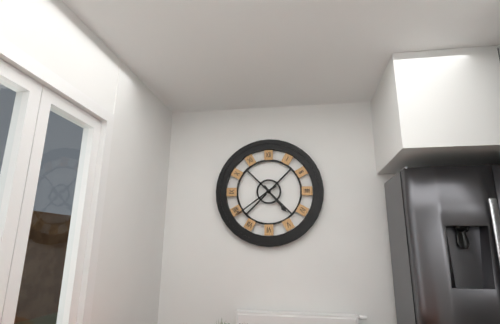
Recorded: 4.39
